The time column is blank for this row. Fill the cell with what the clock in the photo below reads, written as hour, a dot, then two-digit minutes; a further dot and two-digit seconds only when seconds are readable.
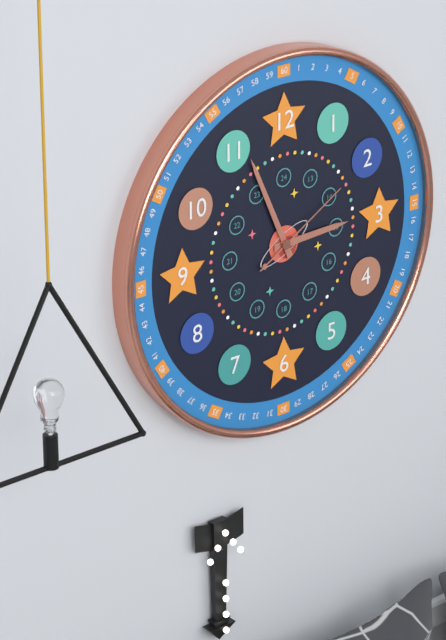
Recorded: 2.56.10
